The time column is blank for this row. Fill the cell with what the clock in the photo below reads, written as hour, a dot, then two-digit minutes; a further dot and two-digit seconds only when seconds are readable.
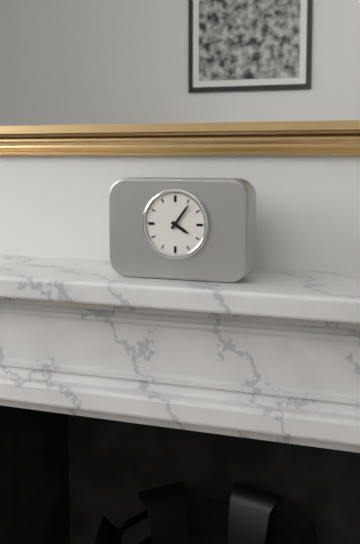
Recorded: 4.06
